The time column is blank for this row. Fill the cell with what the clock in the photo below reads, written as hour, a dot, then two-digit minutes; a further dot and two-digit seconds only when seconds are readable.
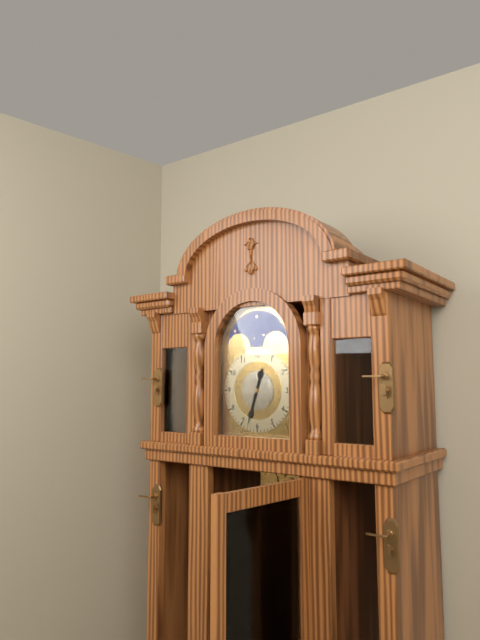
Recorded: 12.33
